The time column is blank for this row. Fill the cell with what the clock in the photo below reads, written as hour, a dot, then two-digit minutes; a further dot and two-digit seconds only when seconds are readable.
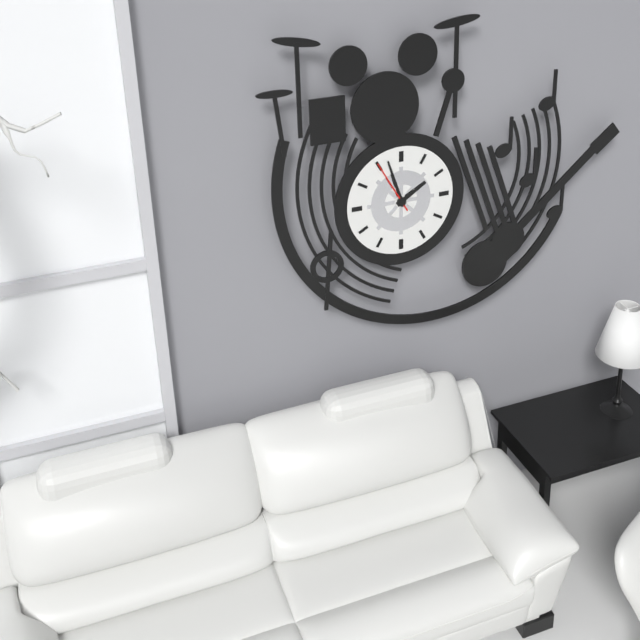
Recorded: 1.57
